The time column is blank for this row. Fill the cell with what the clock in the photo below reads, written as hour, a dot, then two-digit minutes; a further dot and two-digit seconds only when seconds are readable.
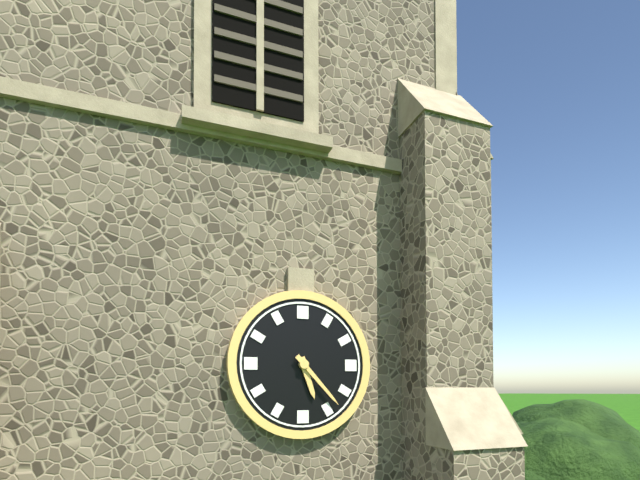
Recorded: 5.23
